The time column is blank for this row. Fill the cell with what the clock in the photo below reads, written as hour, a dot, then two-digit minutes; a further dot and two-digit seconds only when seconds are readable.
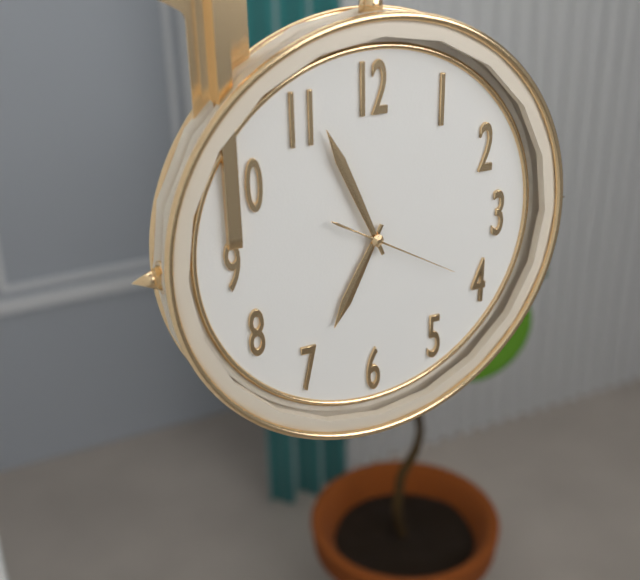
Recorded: 6.56.20
